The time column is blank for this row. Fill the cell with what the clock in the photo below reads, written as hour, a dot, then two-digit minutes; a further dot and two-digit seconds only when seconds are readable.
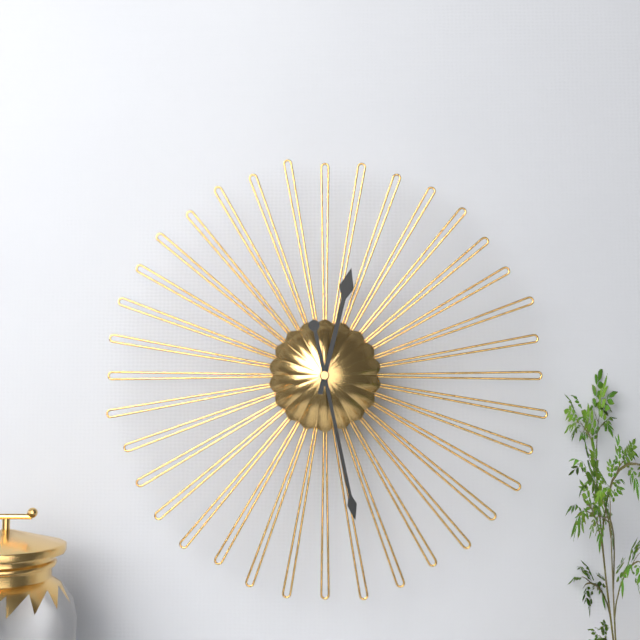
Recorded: 12.28
